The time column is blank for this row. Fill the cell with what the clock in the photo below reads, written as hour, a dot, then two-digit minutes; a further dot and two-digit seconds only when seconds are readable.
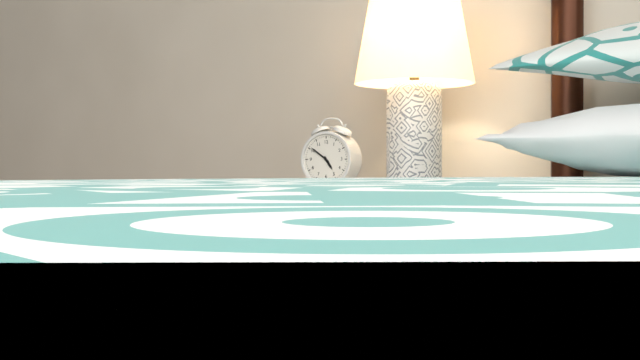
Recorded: 4.51
